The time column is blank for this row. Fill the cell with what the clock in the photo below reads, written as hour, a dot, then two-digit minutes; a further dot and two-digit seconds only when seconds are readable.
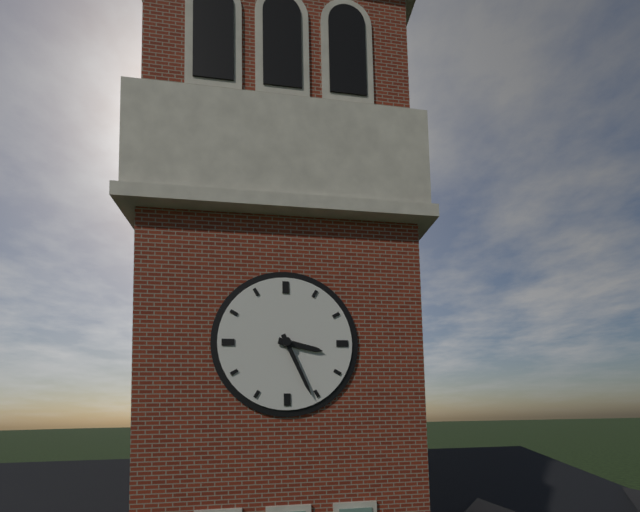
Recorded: 3.26
